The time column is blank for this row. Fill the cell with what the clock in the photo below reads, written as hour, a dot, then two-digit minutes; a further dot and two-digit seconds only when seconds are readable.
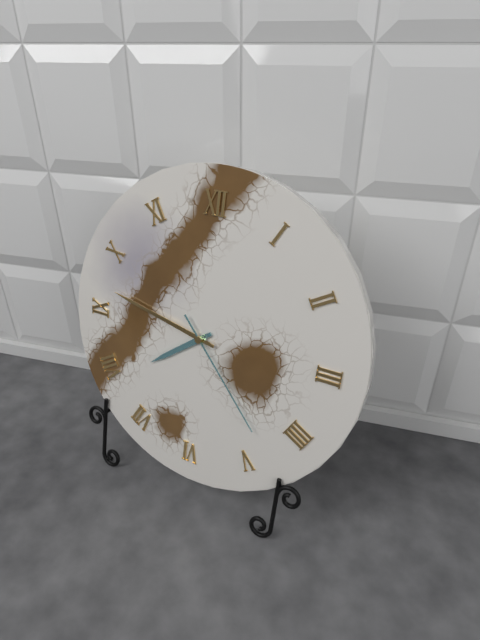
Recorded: 7.47.23
